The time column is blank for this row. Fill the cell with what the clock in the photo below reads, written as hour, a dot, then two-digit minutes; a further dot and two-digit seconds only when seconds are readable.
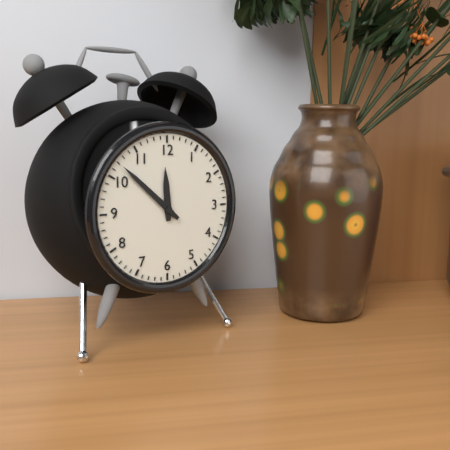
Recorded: 11.52
